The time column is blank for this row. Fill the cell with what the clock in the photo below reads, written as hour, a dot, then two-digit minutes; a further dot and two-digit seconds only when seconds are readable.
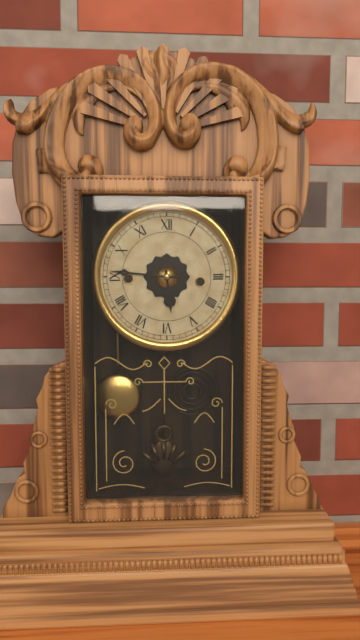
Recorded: 5.46
